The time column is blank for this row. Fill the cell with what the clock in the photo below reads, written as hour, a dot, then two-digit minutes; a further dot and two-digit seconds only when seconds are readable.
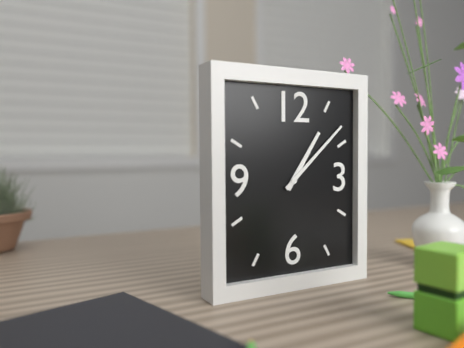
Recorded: 1.08
